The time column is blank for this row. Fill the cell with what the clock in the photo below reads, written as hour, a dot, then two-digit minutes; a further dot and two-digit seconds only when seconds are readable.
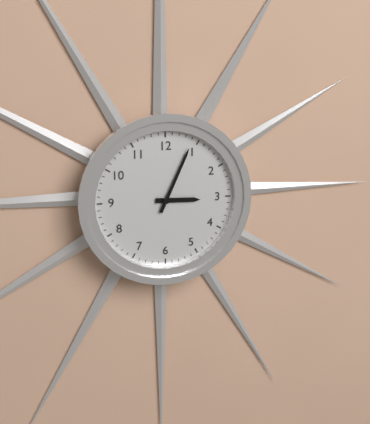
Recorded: 3.04
